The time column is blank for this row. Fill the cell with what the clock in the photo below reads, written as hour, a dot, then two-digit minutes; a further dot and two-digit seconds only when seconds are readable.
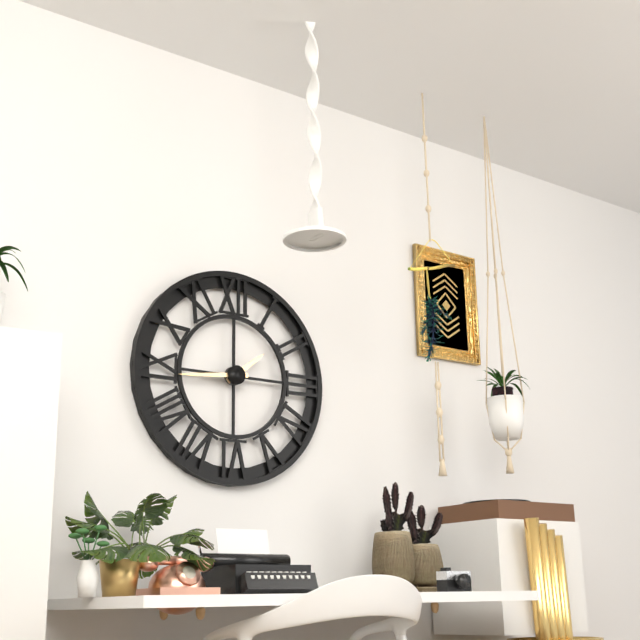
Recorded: 1.44
